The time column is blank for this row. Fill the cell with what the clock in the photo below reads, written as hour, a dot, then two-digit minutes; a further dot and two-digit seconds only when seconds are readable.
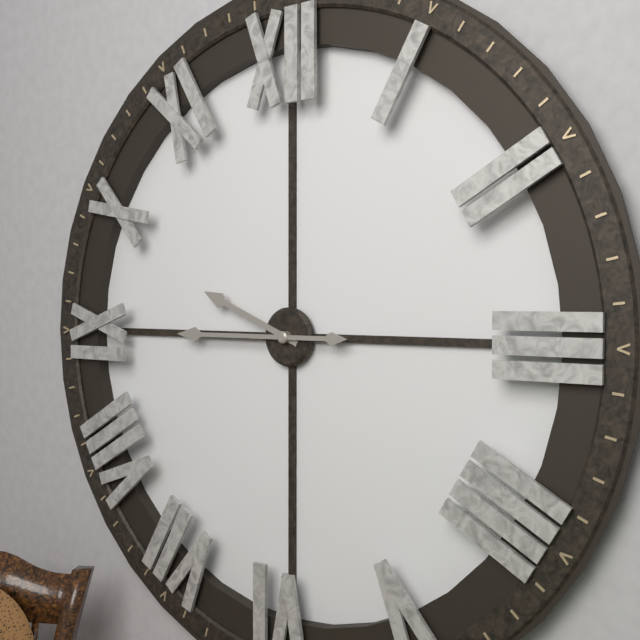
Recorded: 9.45
